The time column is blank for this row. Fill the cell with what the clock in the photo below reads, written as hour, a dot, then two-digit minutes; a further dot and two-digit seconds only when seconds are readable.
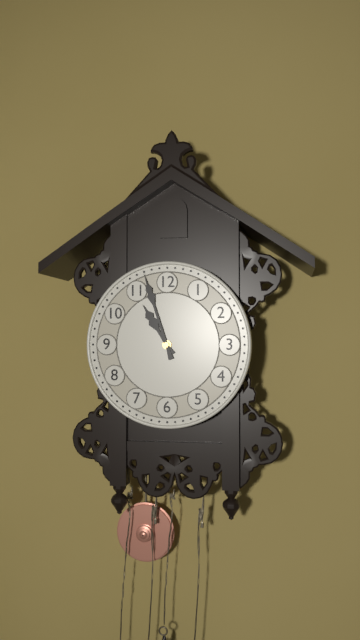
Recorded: 10.57
